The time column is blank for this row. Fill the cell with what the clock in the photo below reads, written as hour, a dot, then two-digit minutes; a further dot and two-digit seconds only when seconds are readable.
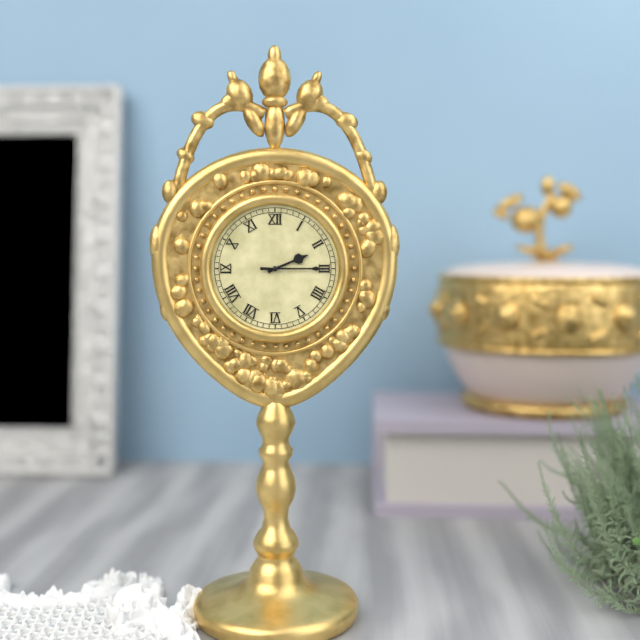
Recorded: 2.15
